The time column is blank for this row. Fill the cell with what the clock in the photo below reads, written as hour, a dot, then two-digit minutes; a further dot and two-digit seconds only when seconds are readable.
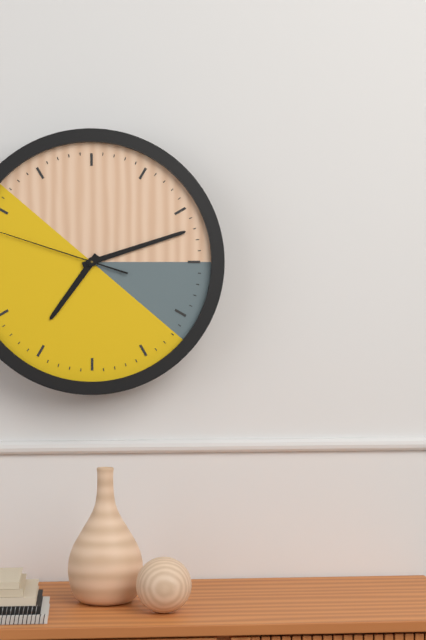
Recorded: 7.12
